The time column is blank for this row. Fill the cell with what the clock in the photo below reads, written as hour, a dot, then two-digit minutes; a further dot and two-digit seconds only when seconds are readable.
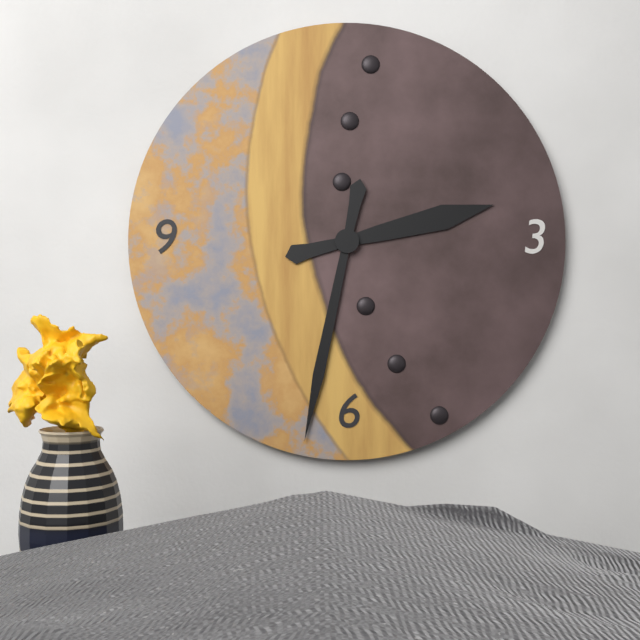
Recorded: 2.32
